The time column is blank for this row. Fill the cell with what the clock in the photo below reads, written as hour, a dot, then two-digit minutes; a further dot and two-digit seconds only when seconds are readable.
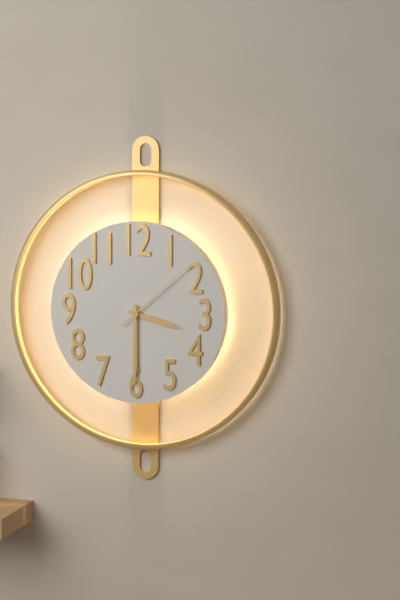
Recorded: 3.30.08
